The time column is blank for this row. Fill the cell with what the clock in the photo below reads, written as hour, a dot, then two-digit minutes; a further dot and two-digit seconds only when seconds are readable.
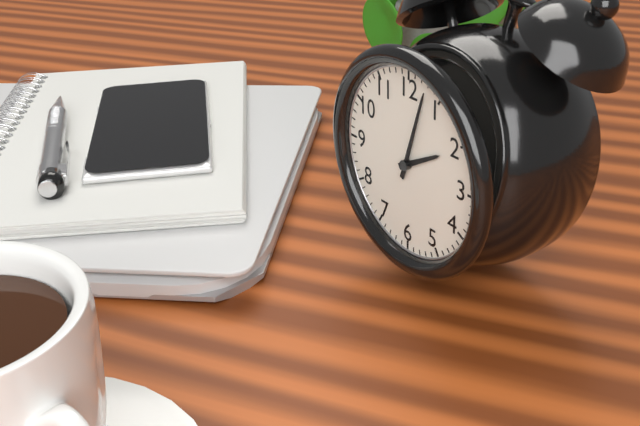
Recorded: 2.03
